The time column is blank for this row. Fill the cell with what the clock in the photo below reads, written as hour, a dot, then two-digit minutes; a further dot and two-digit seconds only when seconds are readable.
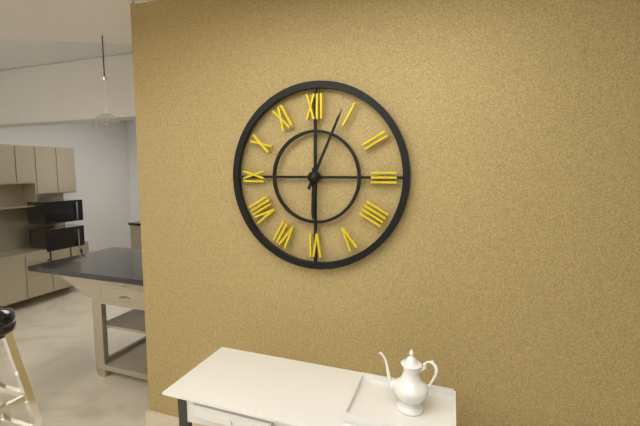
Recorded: 6.04
